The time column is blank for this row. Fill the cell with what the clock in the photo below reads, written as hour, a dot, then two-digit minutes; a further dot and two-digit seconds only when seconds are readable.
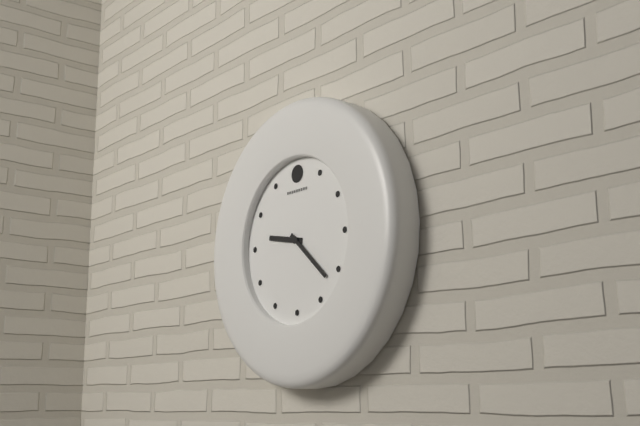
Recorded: 9.22
